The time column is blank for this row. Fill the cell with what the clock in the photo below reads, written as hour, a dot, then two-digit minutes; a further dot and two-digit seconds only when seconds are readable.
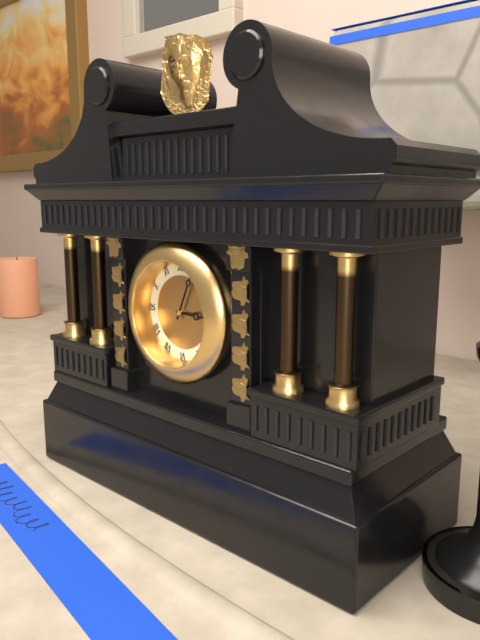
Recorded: 3.04
